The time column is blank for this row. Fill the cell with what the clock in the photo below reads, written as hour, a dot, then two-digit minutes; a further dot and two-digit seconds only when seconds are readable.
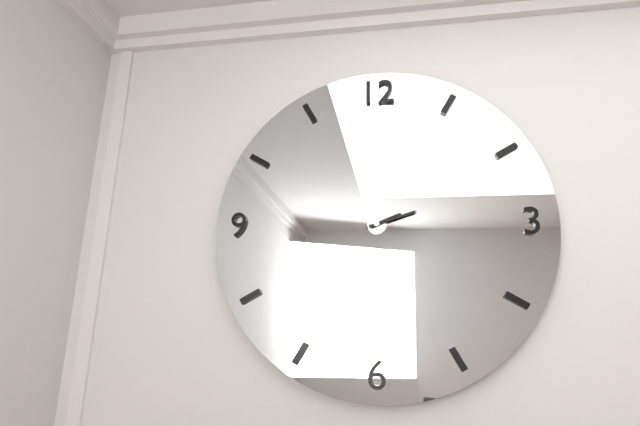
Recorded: 2.12
